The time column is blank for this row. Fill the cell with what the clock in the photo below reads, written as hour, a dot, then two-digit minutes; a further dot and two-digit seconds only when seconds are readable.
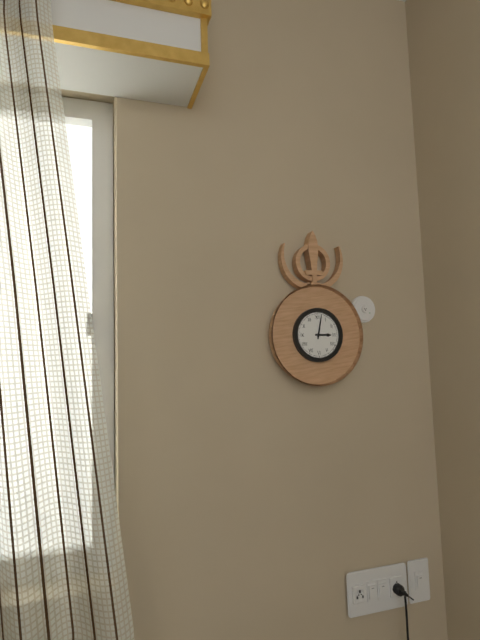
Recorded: 3.02
